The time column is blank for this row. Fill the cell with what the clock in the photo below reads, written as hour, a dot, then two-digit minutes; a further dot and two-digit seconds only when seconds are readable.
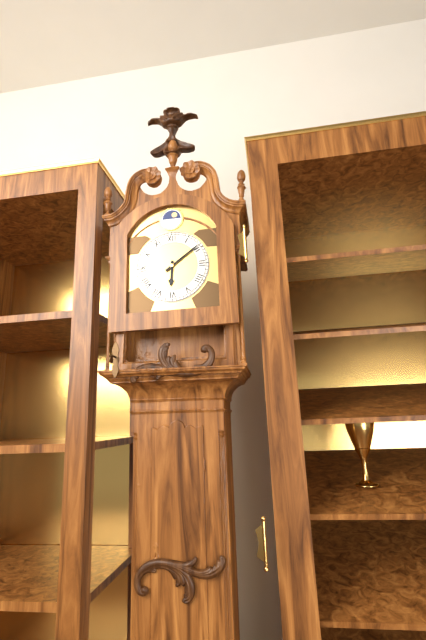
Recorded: 6.09
